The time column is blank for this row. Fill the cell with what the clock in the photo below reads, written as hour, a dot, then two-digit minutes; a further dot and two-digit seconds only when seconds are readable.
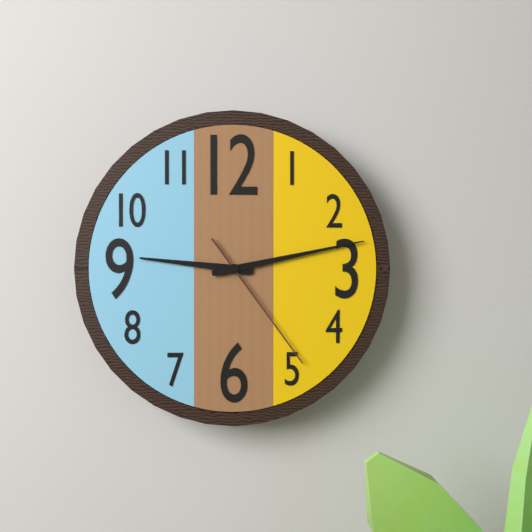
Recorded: 9.13.24
